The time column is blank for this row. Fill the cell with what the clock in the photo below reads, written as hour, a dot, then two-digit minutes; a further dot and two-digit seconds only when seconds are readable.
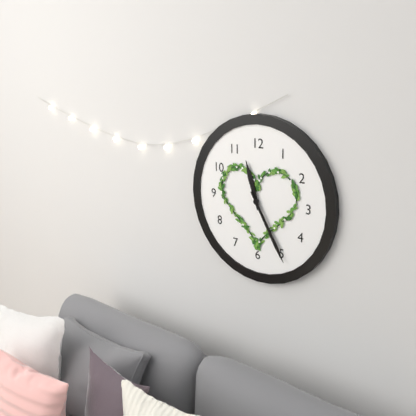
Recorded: 11.25
